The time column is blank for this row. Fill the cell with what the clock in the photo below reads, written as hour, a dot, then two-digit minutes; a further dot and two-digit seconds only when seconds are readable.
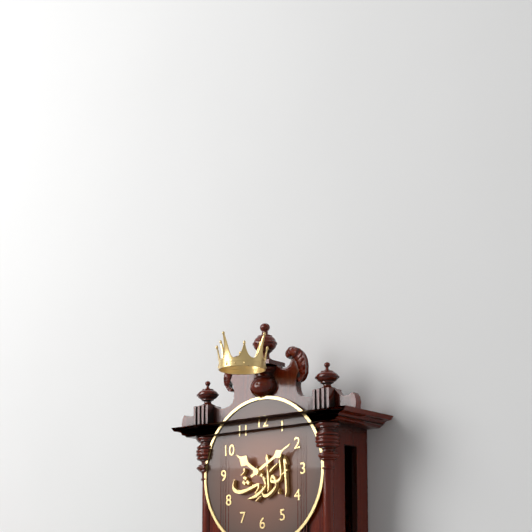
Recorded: 10.10
